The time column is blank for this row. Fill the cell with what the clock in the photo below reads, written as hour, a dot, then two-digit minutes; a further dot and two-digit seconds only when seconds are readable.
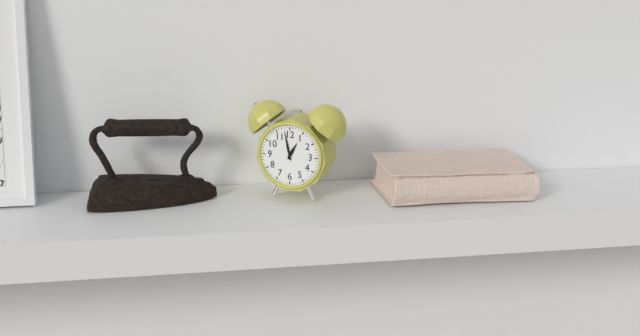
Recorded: 12.58
